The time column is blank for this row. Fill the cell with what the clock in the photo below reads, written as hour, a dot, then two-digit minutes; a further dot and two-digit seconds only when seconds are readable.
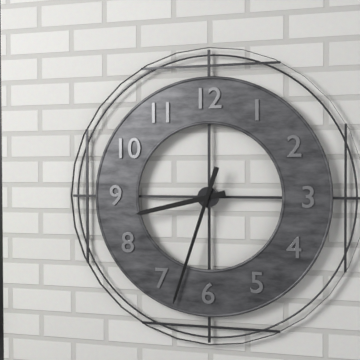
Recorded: 8.33
